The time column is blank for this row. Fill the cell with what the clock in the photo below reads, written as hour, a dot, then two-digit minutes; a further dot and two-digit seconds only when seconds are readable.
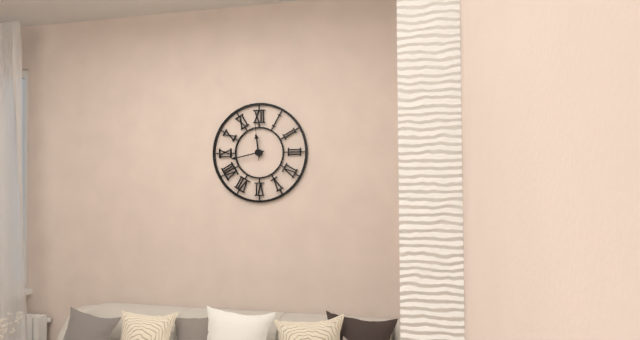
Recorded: 11.43
